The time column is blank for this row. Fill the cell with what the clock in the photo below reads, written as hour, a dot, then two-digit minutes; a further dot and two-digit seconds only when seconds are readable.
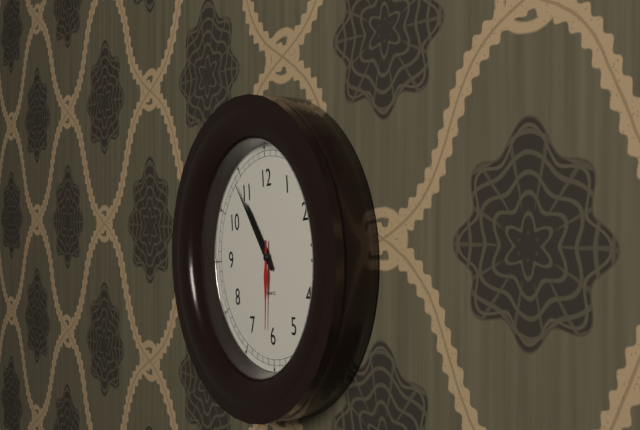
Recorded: 10.54.31
